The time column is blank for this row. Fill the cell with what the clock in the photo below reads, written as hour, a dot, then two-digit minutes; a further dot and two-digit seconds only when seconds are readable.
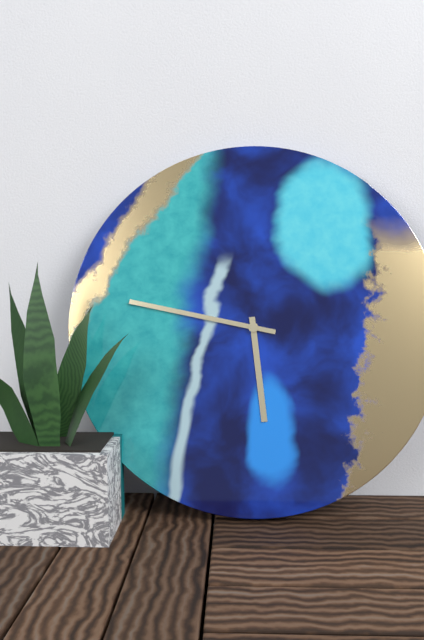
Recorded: 5.47
